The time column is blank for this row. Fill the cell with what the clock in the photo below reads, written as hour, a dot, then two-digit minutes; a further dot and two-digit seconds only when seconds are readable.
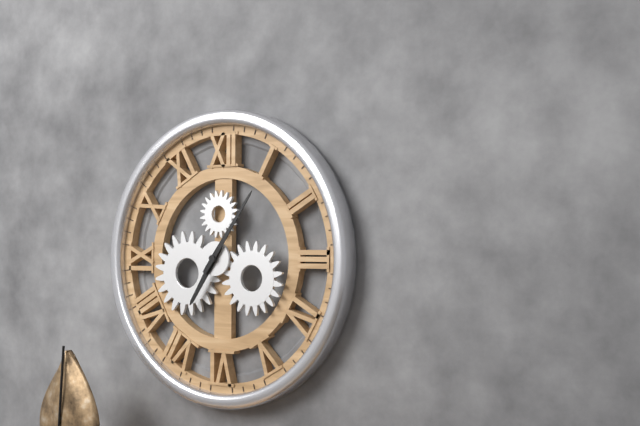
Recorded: 7.06
